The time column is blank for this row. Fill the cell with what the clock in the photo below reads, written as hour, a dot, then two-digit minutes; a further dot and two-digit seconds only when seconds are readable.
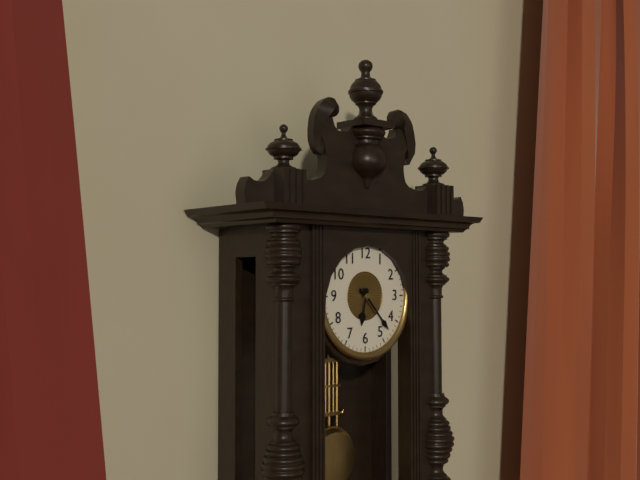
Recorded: 6.23
